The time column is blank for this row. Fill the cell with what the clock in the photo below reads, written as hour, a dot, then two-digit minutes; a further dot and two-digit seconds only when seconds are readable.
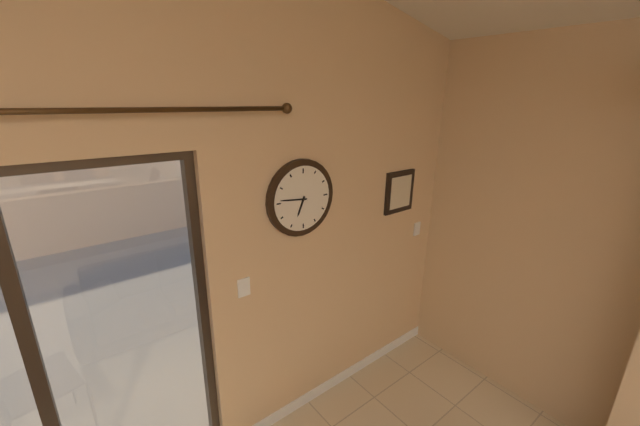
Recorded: 6.46
